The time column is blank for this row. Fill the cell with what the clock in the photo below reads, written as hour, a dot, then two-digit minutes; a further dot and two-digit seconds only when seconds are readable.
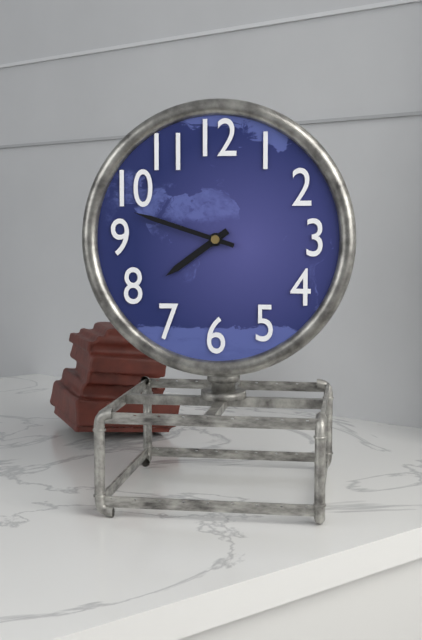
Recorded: 7.48
